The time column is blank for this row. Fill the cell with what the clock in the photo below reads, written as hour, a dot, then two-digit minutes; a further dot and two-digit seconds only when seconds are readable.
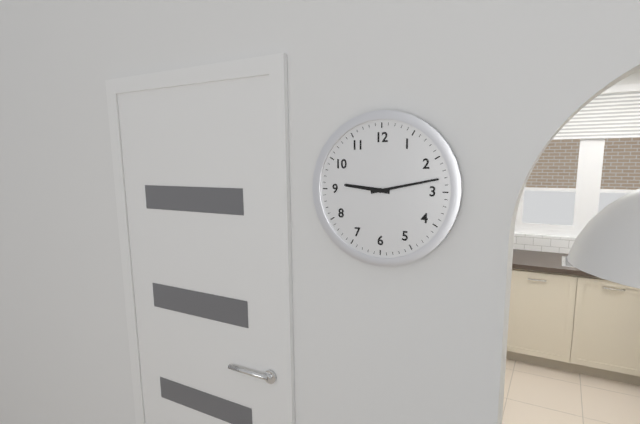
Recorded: 9.13
